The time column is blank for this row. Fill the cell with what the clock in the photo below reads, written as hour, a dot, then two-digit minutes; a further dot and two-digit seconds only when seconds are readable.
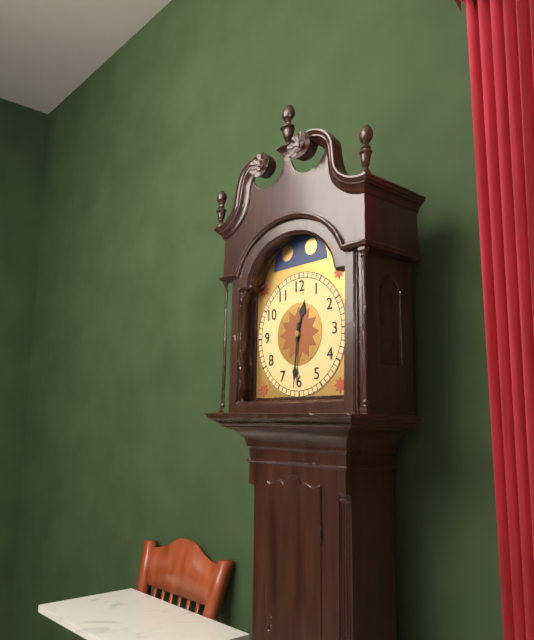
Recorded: 12.31
